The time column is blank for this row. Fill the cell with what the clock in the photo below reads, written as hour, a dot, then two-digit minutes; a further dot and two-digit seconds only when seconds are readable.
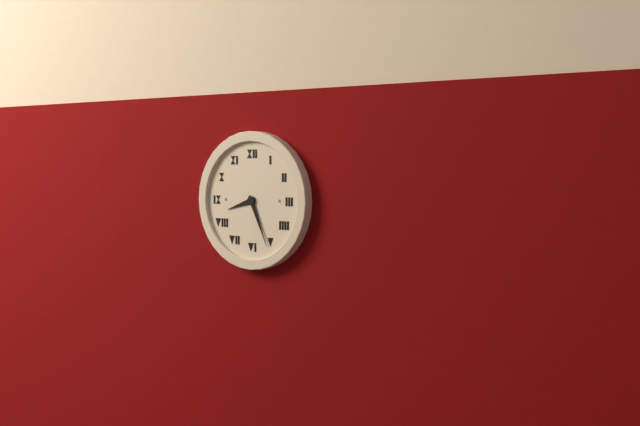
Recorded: 8.26
